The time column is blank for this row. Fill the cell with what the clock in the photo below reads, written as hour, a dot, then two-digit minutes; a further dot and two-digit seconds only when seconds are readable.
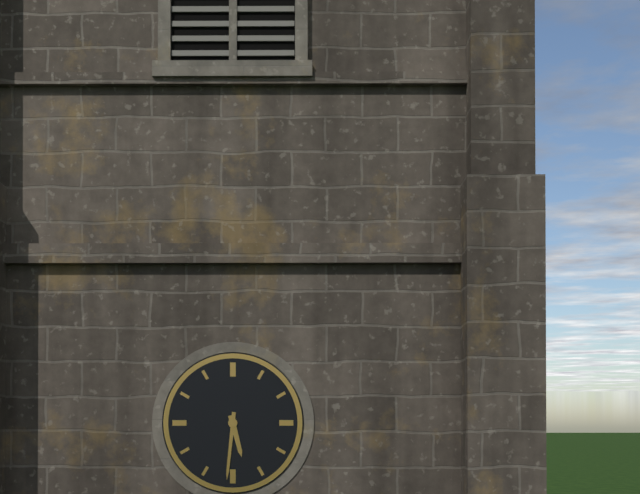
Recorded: 5.31
